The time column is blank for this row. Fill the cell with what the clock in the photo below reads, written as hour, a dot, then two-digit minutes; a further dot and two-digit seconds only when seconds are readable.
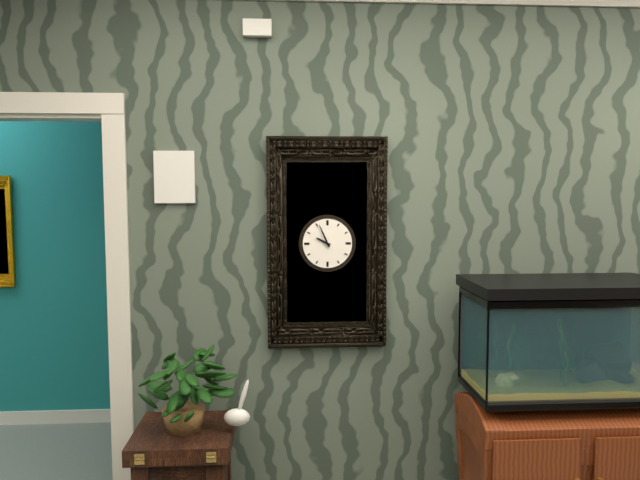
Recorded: 9.56
